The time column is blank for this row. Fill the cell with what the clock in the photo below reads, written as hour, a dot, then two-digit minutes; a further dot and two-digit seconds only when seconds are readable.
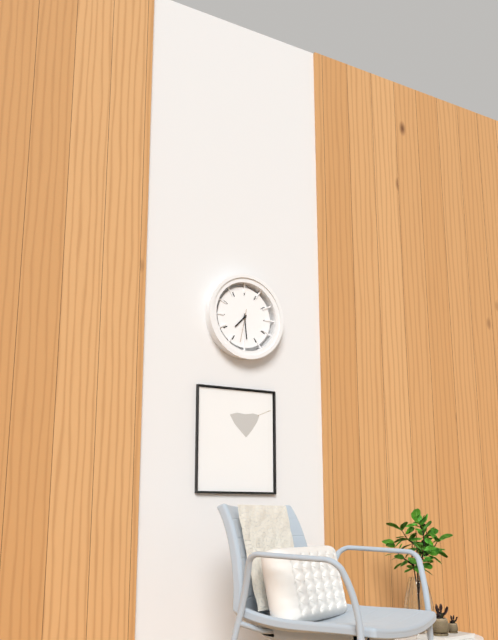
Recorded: 7.29
